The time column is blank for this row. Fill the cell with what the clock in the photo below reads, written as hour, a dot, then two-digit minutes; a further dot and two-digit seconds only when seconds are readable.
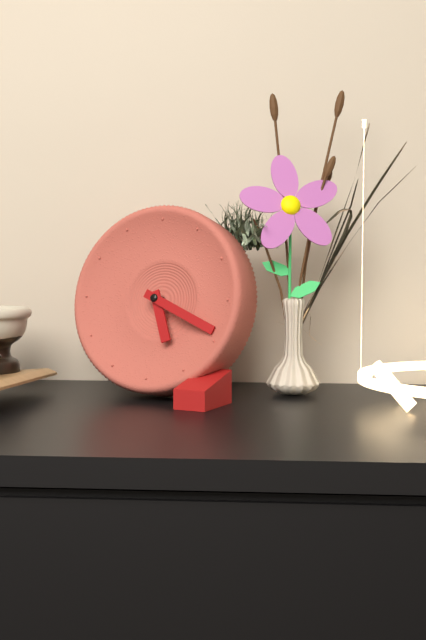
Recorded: 5.19
